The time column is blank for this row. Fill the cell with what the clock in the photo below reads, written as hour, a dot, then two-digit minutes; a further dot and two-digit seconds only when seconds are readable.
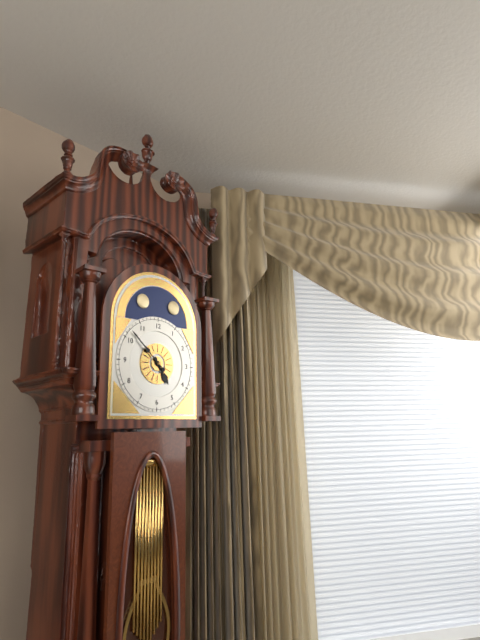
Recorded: 4.52
